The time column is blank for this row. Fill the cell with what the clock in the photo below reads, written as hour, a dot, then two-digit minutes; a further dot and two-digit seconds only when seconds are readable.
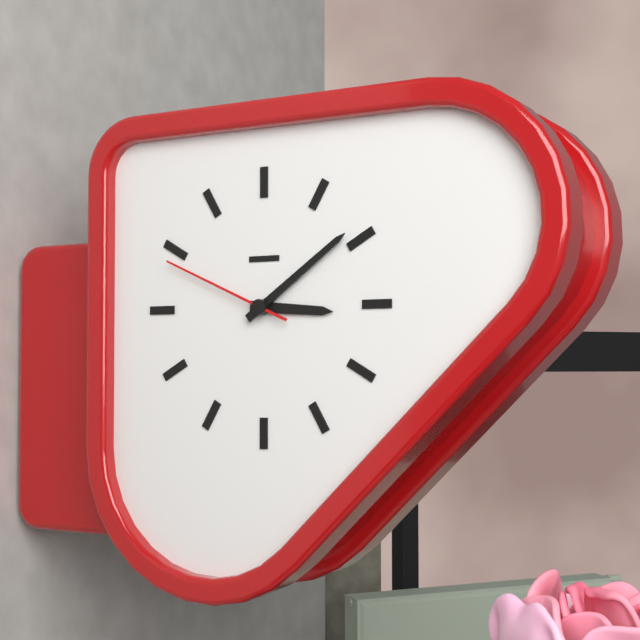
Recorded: 3.09.49
